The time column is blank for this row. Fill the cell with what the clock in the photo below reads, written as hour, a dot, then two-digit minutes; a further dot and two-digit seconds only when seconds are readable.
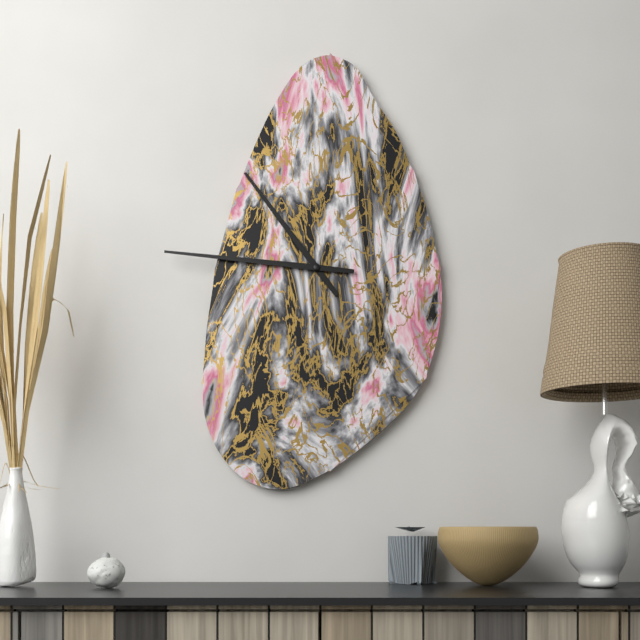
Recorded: 10.46
